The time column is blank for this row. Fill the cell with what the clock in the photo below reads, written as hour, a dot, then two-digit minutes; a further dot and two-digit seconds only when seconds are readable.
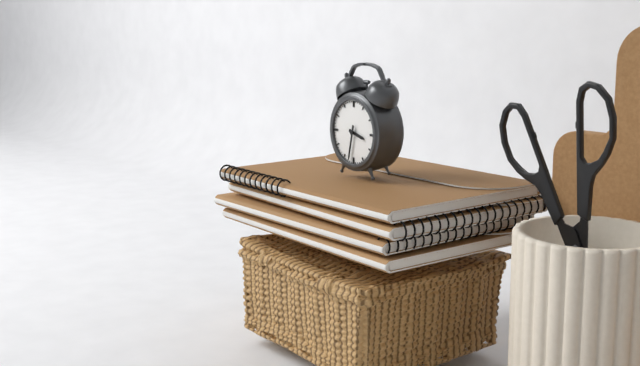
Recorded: 3.32
